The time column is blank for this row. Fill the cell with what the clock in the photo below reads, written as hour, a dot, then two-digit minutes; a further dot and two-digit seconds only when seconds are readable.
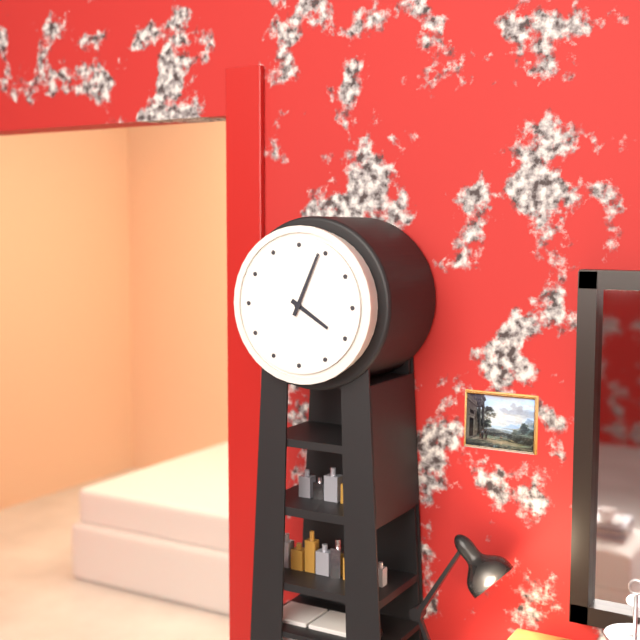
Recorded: 4.04
